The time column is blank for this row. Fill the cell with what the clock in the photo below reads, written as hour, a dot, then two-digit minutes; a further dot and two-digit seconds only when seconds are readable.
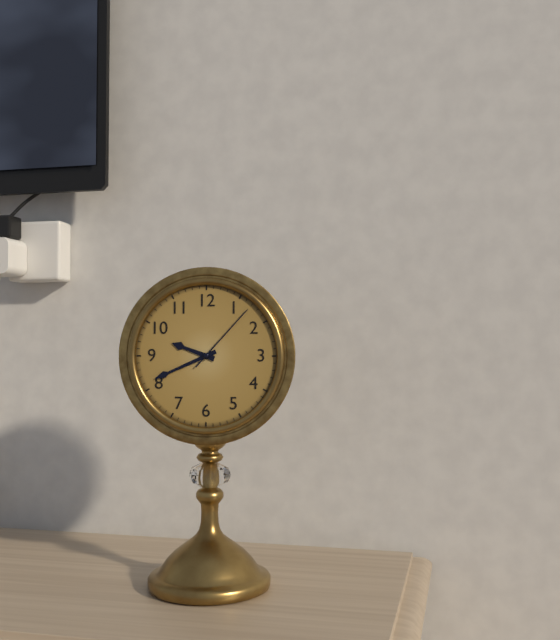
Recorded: 9.41.07
